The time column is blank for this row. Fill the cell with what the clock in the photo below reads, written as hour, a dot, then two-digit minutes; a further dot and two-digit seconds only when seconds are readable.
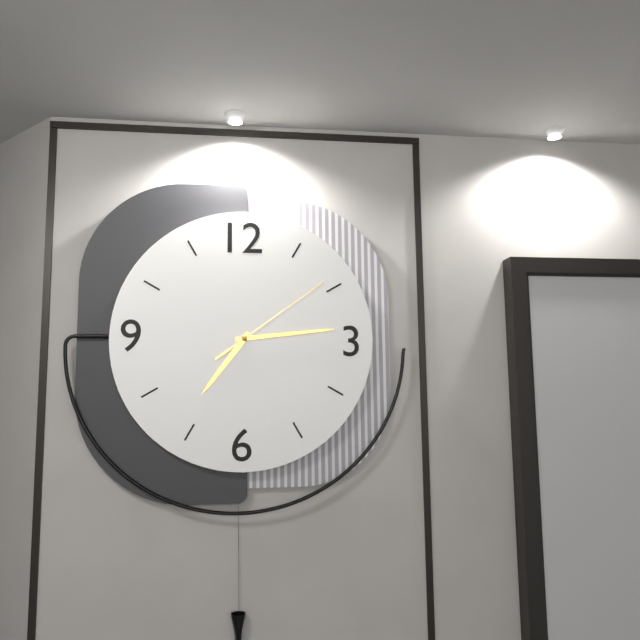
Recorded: 7.14.09
